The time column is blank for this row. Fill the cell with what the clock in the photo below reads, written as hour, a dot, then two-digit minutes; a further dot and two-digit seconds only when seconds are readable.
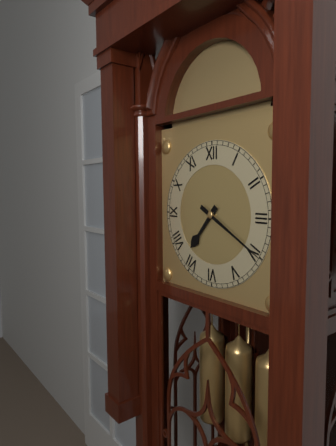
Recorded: 7.20
